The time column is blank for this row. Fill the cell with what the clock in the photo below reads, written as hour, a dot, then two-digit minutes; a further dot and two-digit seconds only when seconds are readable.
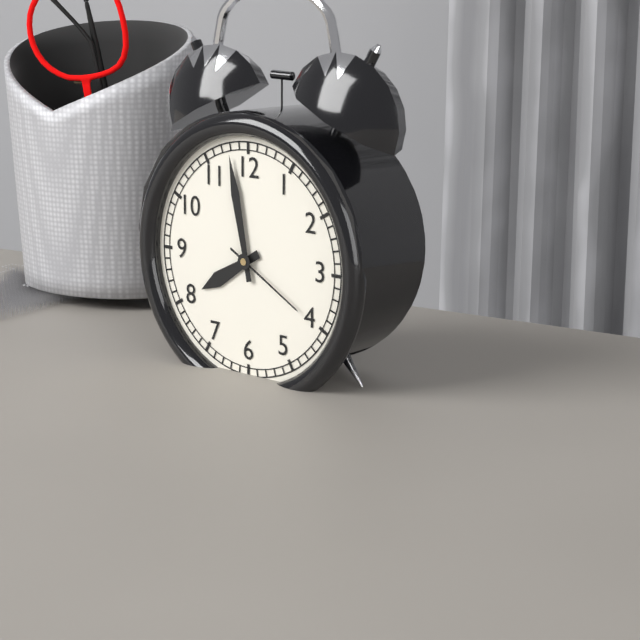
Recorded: 7.58.20
